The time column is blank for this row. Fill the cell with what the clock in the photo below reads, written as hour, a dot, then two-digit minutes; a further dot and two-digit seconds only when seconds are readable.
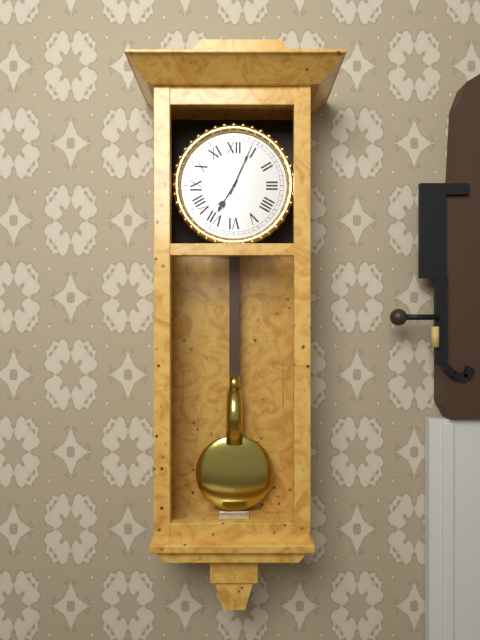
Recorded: 7.04
